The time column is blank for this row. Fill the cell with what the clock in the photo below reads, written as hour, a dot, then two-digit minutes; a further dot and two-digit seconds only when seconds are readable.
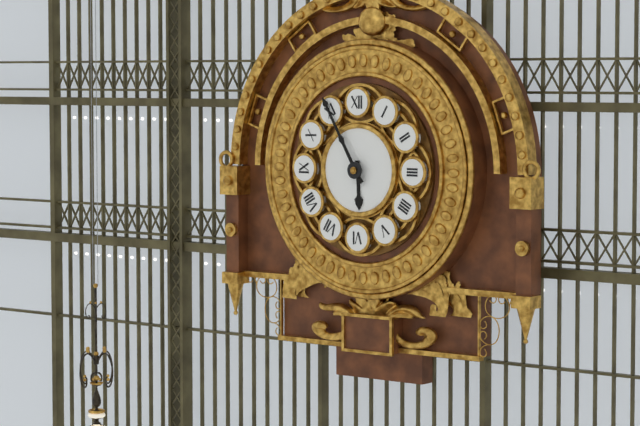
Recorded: 5.55
